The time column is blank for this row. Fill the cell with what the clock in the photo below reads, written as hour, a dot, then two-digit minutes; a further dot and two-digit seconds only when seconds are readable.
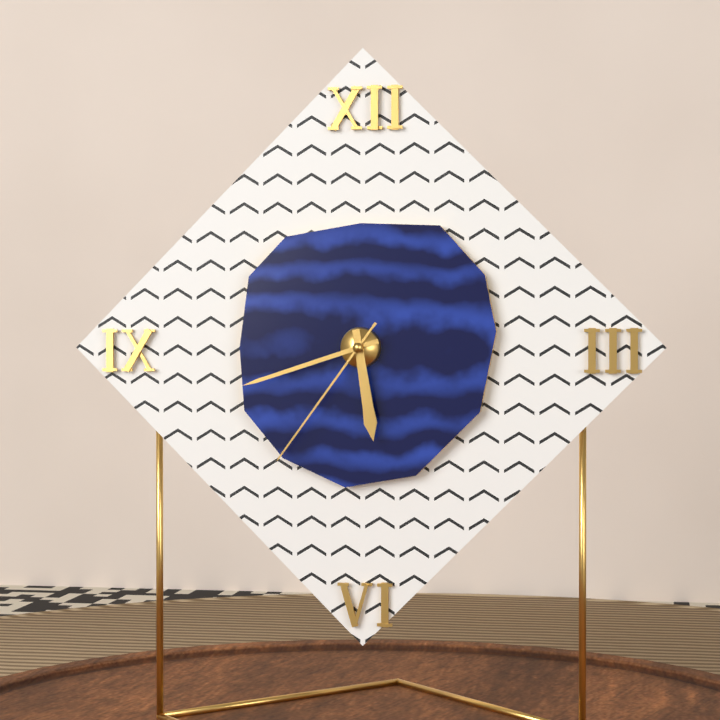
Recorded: 5.42.36
